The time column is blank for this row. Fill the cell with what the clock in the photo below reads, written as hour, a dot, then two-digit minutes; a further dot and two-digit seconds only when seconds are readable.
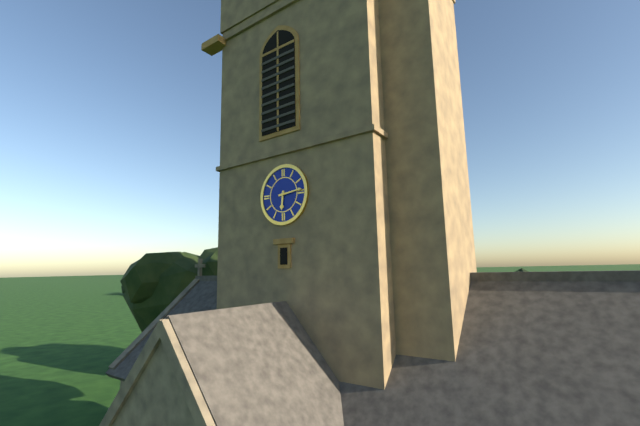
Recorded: 6.14
